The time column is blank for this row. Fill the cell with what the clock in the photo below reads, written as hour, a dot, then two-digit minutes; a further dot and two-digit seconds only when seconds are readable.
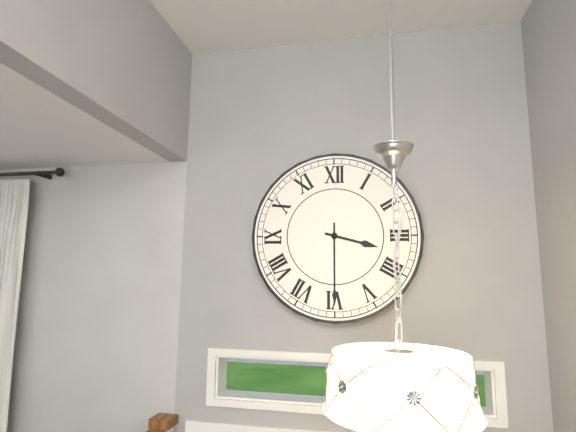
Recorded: 3.30
